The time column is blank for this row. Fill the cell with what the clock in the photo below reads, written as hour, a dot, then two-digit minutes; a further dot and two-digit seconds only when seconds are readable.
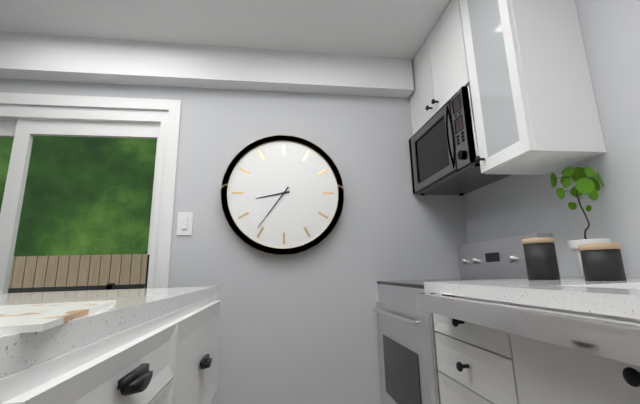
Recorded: 8.36
